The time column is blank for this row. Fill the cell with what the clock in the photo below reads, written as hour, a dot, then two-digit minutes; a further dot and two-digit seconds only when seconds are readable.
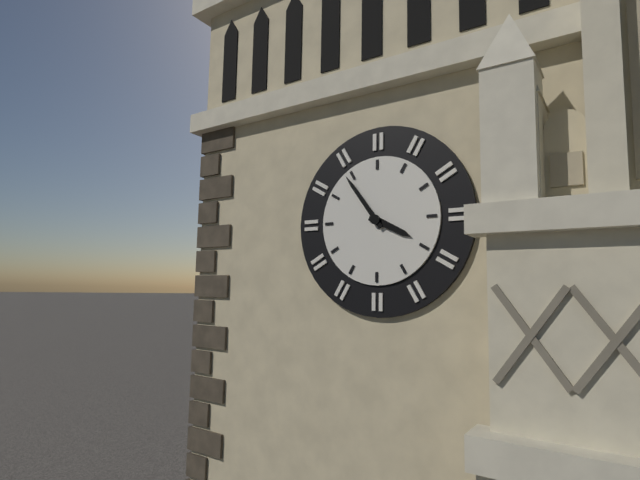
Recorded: 3.54
